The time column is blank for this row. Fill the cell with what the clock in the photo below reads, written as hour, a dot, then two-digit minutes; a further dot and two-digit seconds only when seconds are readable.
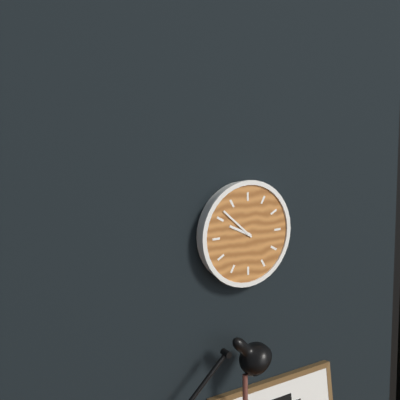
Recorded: 9.52
